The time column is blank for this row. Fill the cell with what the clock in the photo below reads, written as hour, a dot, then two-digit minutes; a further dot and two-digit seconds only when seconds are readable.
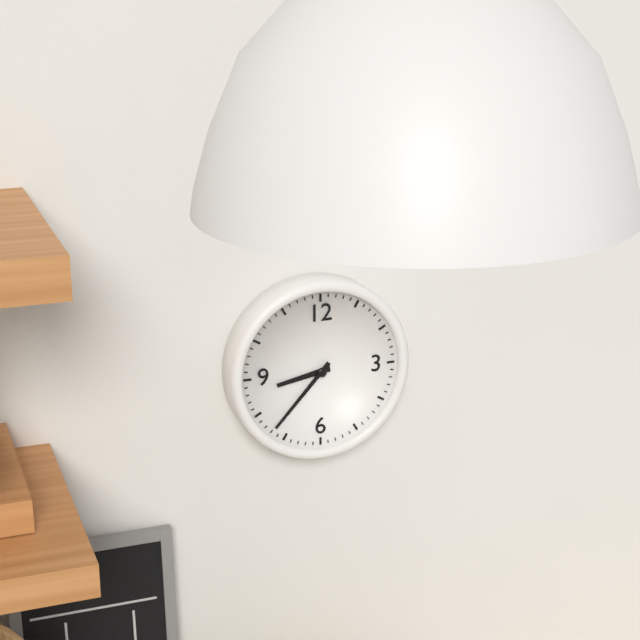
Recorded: 8.37
